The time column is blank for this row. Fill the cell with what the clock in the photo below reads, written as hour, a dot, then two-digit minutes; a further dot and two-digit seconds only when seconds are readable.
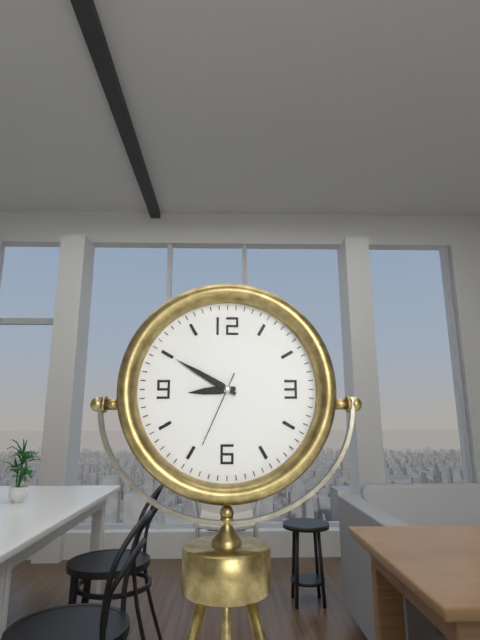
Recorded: 8.50.34
